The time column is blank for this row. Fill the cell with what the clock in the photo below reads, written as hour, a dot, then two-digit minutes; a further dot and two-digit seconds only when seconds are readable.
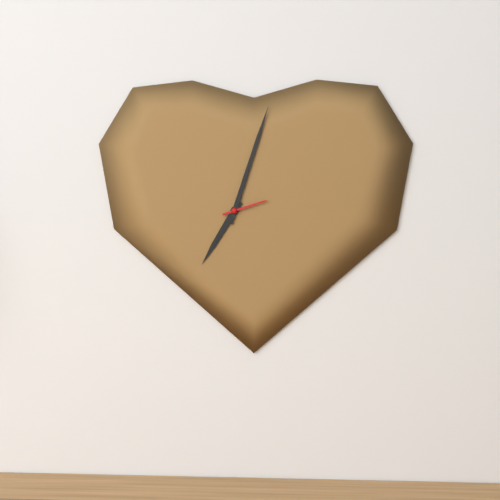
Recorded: 7.03
